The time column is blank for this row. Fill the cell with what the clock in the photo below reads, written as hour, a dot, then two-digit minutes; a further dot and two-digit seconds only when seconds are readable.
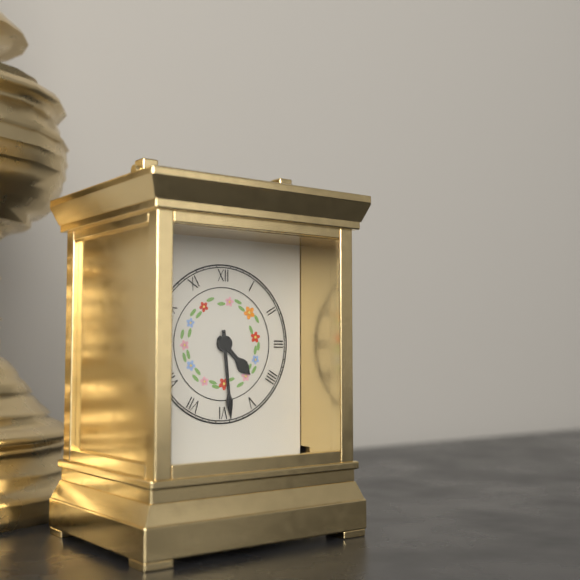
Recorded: 4.29
